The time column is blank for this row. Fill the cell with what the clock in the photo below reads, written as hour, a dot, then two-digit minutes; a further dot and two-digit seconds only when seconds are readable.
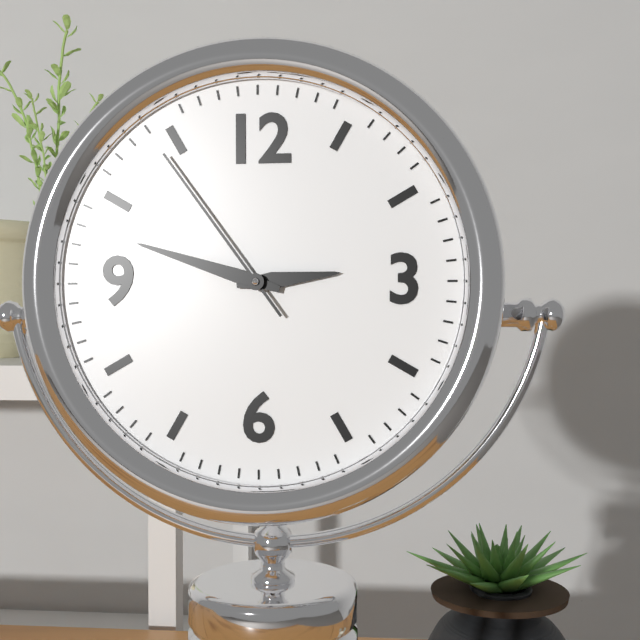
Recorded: 2.48.54
